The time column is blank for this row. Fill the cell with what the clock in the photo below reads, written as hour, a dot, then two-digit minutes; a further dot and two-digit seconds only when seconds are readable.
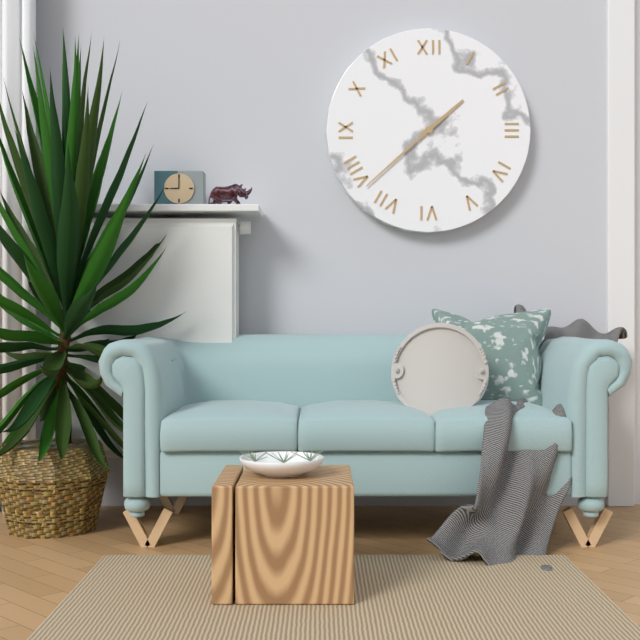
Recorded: 1.38
